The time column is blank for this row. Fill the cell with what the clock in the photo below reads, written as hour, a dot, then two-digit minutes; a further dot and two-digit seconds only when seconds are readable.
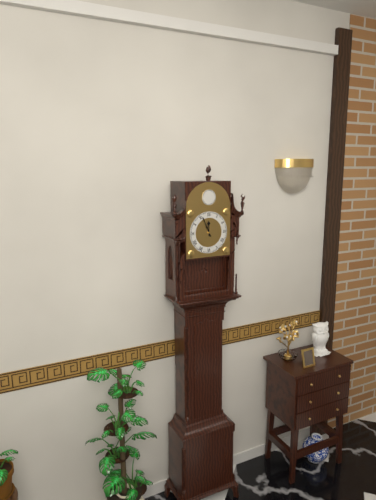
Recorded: 11.56
